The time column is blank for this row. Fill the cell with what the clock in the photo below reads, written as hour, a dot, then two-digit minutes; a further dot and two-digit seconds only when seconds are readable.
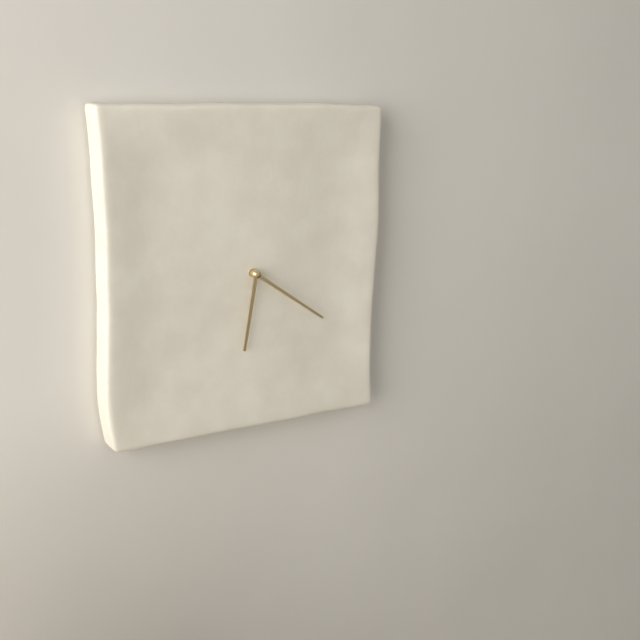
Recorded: 6.21
